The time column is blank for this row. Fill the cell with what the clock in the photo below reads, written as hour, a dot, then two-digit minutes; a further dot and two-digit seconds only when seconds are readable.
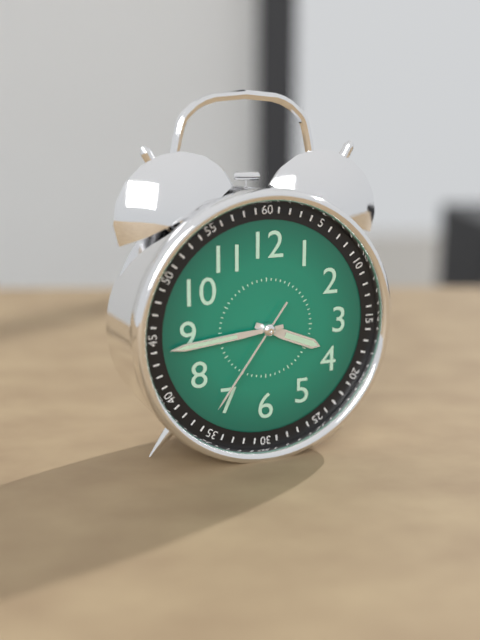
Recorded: 3.44.36
